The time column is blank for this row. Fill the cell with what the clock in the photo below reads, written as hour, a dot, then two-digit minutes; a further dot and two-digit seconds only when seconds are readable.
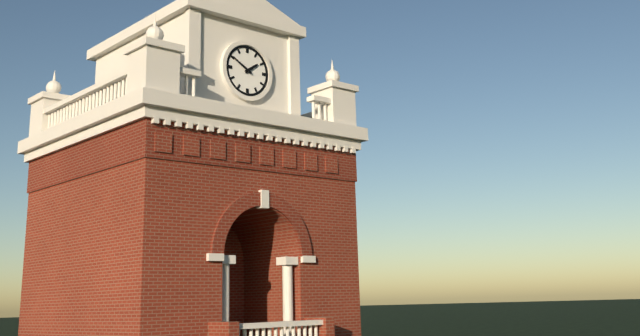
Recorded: 1.50
